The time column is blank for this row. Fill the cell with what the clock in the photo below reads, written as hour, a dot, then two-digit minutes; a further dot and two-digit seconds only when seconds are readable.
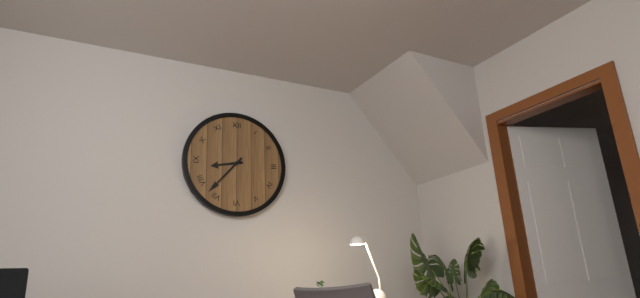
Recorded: 8.37
